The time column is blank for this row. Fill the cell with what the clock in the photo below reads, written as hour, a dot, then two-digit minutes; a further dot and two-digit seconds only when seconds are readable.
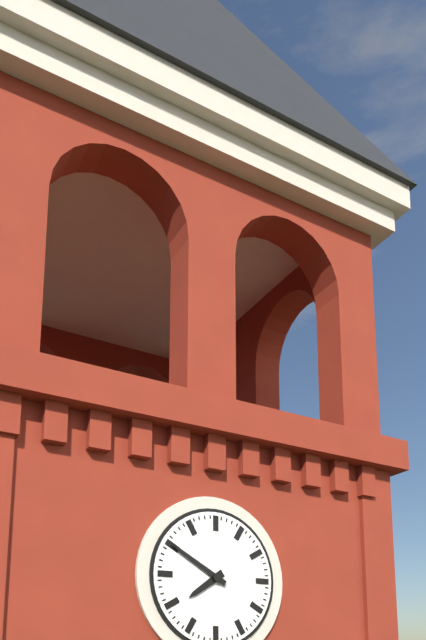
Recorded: 7.50
